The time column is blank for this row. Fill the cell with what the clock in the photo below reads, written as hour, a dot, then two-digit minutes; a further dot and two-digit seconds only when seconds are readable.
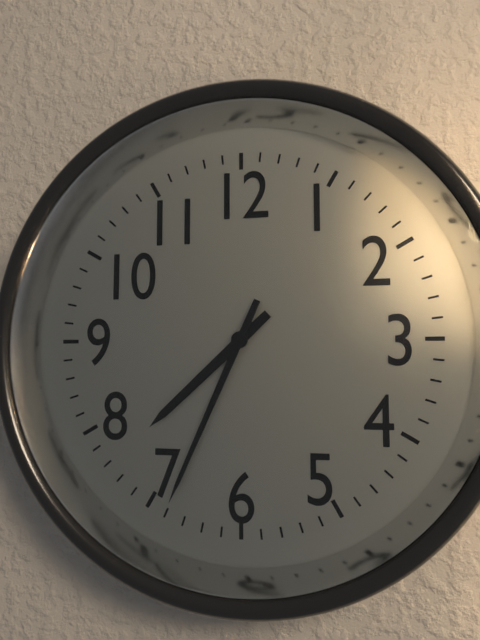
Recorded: 7.34
